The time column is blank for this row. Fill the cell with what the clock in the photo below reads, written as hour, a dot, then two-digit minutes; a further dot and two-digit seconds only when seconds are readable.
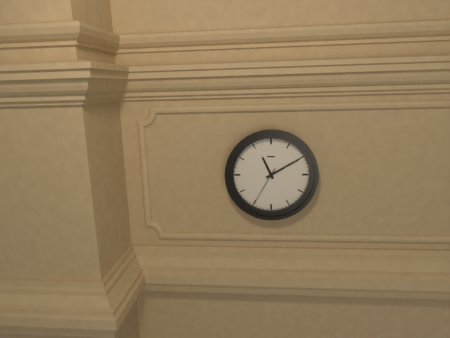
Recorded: 11.10
